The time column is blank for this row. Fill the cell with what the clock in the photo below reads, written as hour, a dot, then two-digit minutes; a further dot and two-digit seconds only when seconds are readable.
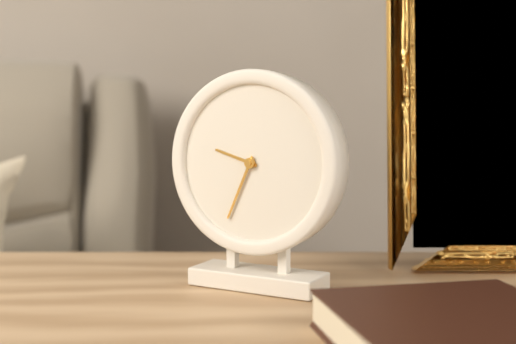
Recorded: 9.34
